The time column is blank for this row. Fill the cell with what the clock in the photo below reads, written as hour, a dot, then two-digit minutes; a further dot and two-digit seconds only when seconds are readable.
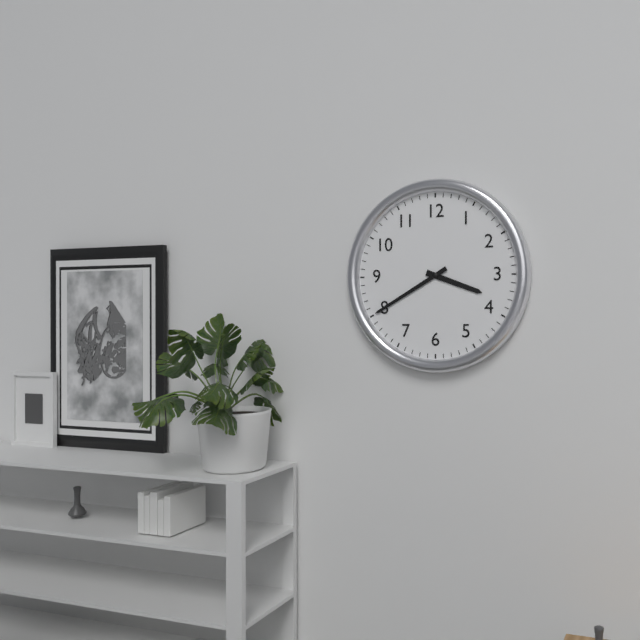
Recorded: 3.40
